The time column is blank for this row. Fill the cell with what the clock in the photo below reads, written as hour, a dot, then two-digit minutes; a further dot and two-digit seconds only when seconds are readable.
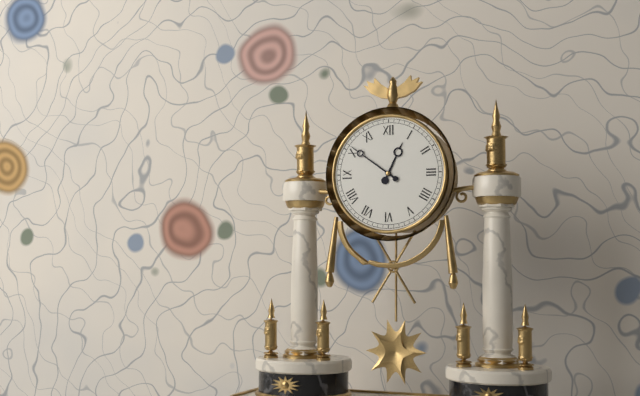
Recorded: 12.51
